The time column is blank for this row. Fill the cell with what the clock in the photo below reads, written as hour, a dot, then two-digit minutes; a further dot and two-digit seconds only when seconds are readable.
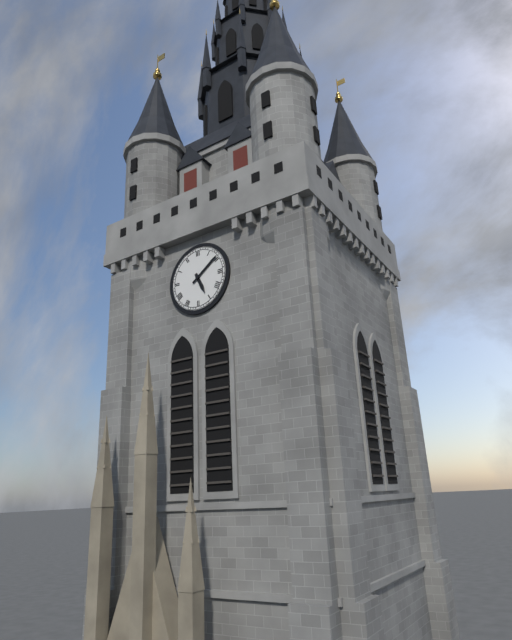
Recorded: 5.09
